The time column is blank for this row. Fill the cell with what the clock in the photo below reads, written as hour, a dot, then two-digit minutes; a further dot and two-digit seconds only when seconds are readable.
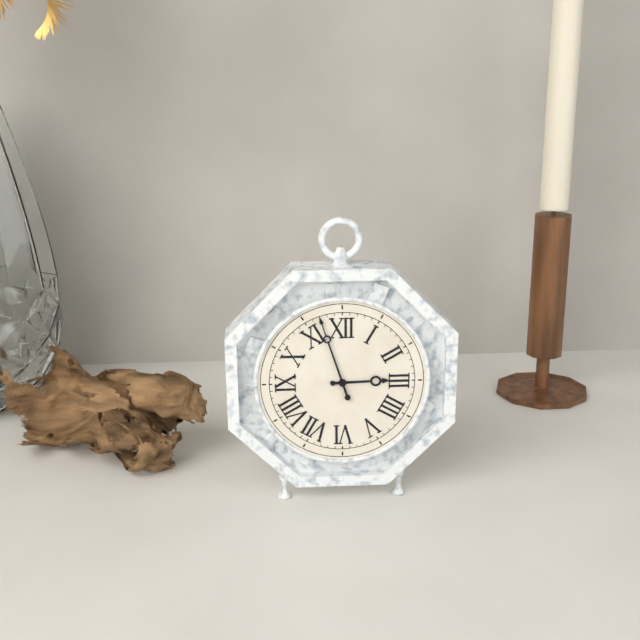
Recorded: 2.57
